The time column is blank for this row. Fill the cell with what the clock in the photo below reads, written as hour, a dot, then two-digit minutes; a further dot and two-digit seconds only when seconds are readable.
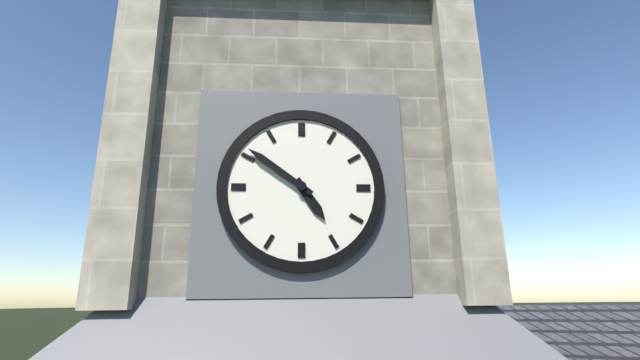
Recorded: 4.51
